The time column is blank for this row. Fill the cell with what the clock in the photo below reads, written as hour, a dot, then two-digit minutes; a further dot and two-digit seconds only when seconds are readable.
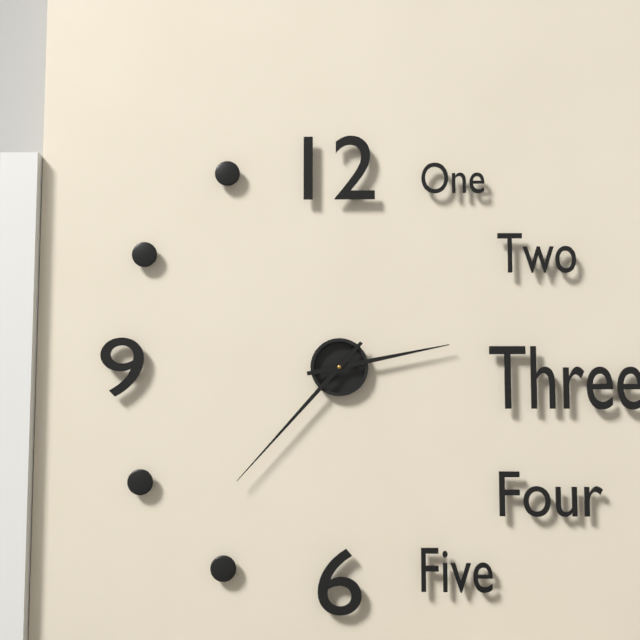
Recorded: 2.37
